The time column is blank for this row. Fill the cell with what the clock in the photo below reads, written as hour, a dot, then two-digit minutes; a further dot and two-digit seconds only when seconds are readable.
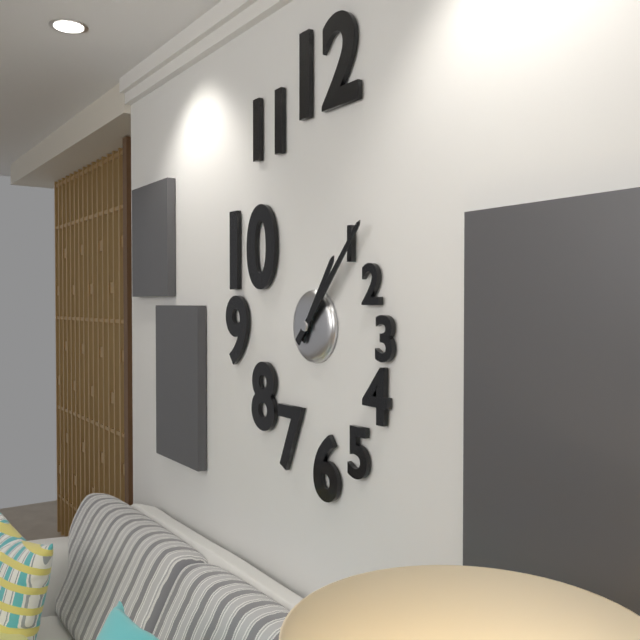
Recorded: 1.07
